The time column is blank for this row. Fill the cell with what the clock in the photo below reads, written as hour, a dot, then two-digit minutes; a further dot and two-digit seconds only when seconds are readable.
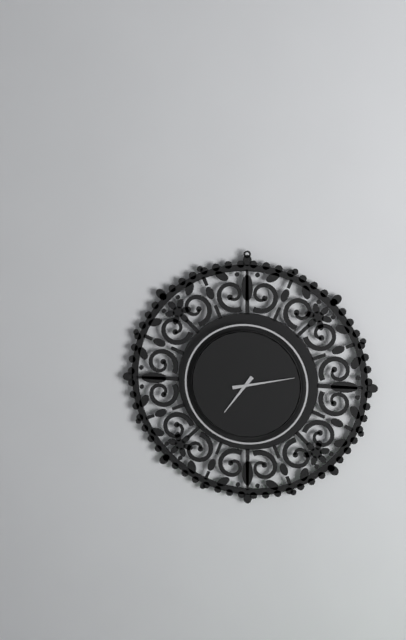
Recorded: 7.13
